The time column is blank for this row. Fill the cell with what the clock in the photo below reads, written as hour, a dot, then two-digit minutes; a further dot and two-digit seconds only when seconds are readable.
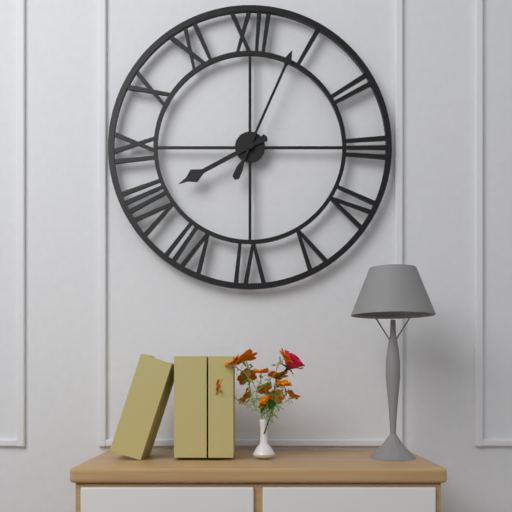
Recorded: 8.04
